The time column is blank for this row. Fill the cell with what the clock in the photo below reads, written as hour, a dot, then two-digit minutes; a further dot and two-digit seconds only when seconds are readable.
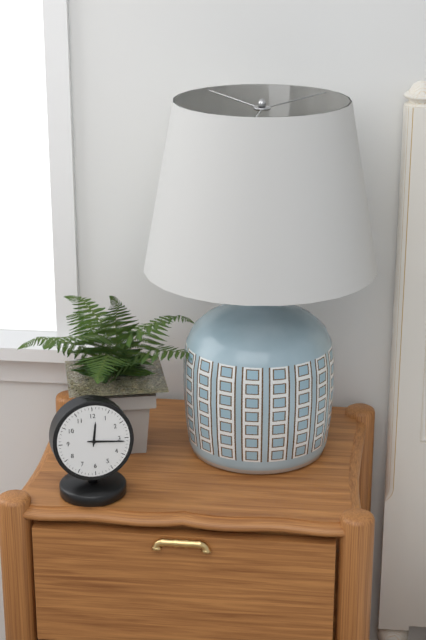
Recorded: 12.16
